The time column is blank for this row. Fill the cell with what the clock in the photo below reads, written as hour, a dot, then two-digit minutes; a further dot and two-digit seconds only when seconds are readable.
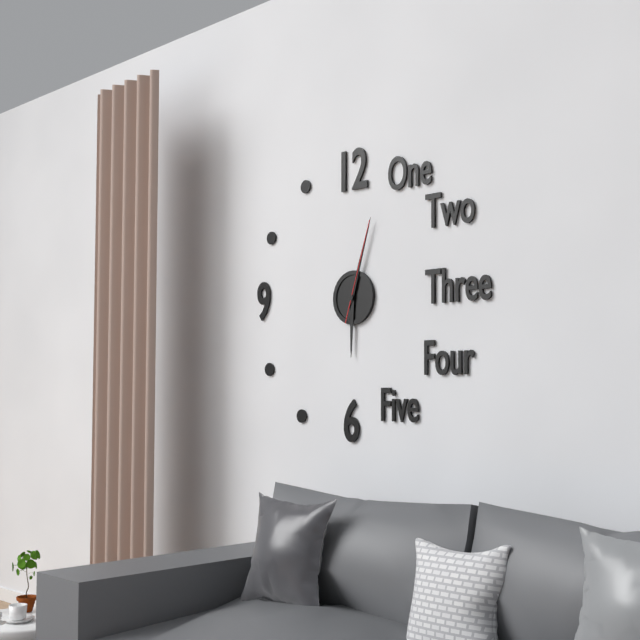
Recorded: 6.03.03
